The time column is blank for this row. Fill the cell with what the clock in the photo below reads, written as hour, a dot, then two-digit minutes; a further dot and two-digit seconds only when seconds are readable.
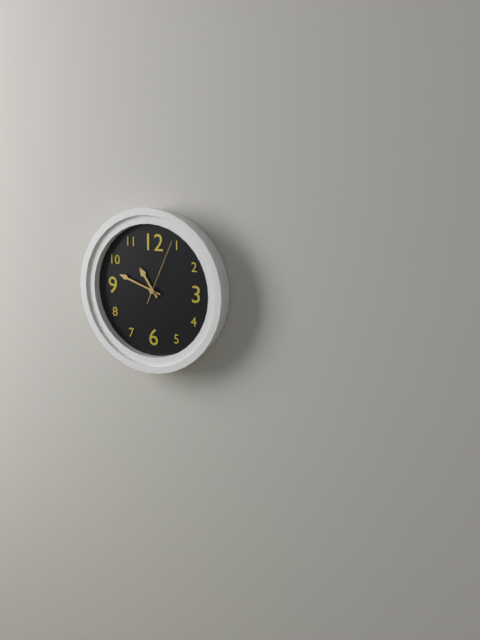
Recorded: 10.48.04
